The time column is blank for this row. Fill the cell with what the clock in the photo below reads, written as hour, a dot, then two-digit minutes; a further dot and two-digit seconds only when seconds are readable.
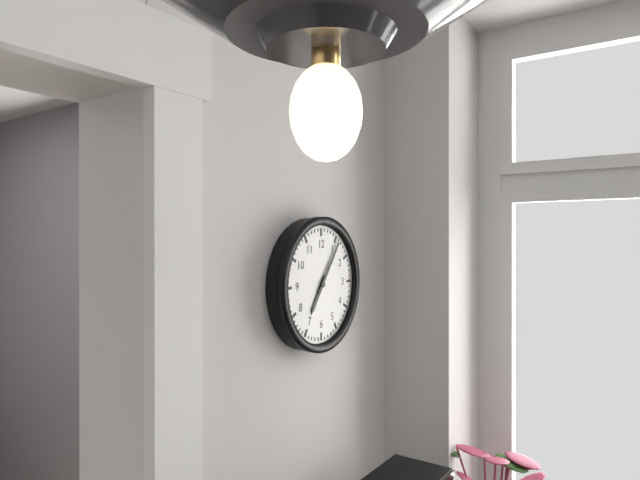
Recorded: 7.06
